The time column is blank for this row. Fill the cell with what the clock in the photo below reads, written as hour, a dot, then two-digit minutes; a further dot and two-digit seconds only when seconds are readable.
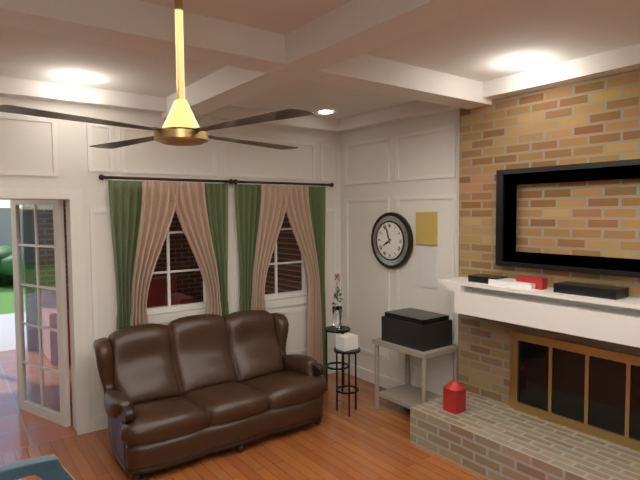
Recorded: 7.57
